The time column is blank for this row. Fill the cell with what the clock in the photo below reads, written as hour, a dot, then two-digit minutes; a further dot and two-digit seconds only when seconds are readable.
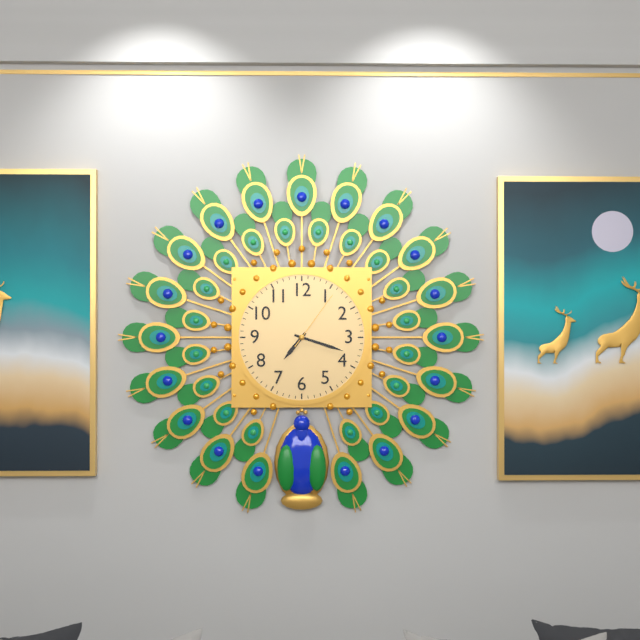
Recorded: 7.18.06
